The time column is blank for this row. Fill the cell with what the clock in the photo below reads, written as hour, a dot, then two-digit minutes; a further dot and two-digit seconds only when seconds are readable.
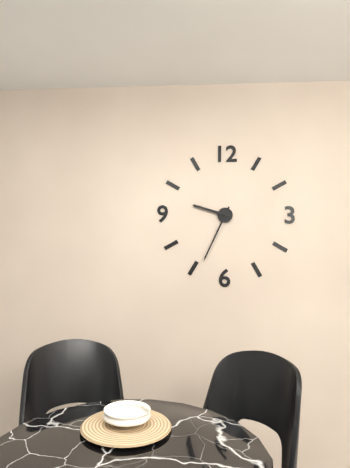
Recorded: 9.34
